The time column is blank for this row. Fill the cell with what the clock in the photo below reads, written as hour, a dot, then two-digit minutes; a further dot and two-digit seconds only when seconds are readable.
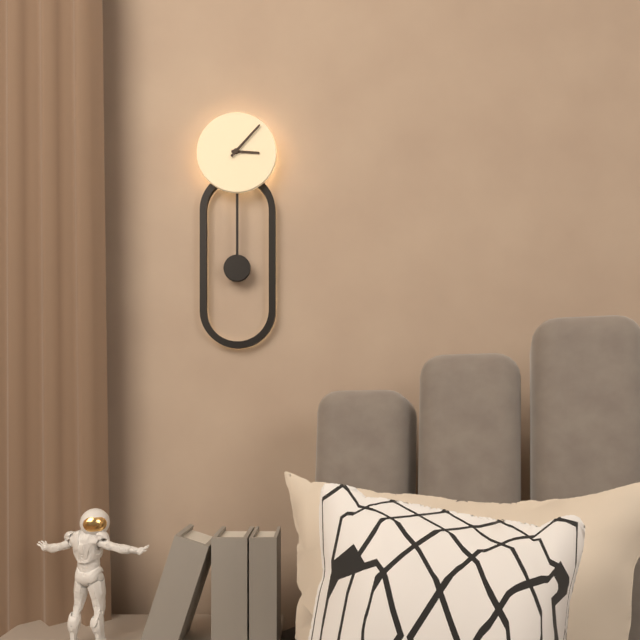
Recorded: 3.07
